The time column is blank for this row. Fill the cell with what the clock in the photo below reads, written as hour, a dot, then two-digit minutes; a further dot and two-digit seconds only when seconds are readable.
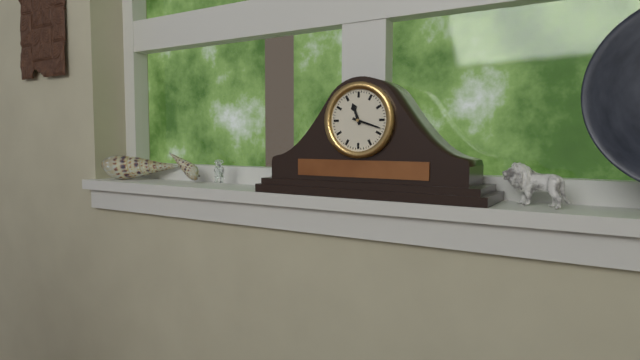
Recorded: 11.18
